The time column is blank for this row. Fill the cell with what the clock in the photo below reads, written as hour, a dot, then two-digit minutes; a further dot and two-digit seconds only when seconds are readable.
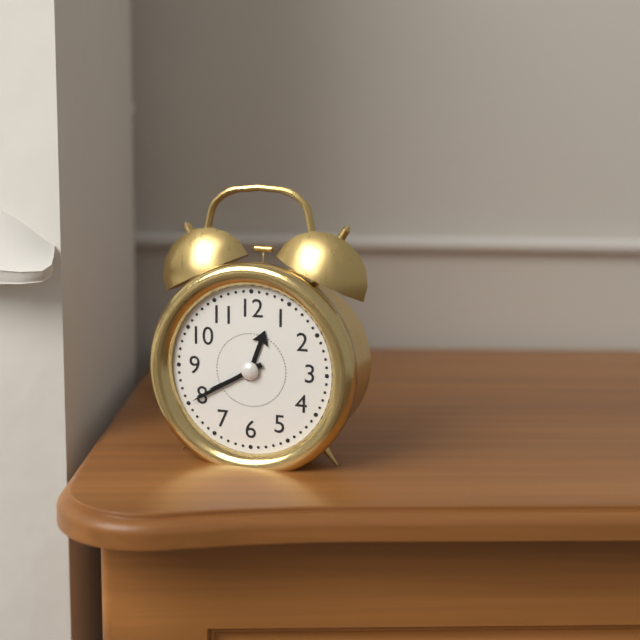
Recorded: 12.40
